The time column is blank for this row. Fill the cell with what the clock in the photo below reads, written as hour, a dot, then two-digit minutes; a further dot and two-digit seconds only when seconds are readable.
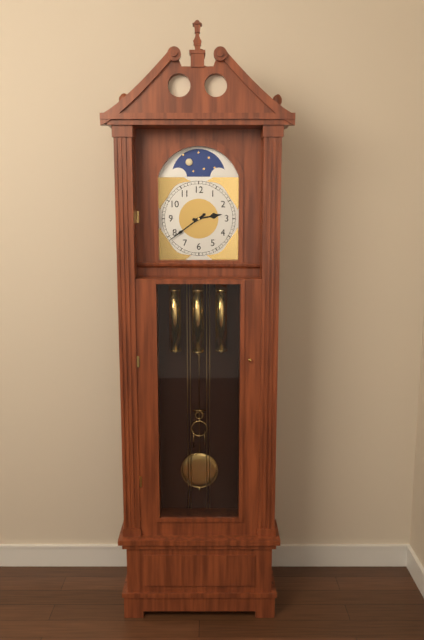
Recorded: 2.39
